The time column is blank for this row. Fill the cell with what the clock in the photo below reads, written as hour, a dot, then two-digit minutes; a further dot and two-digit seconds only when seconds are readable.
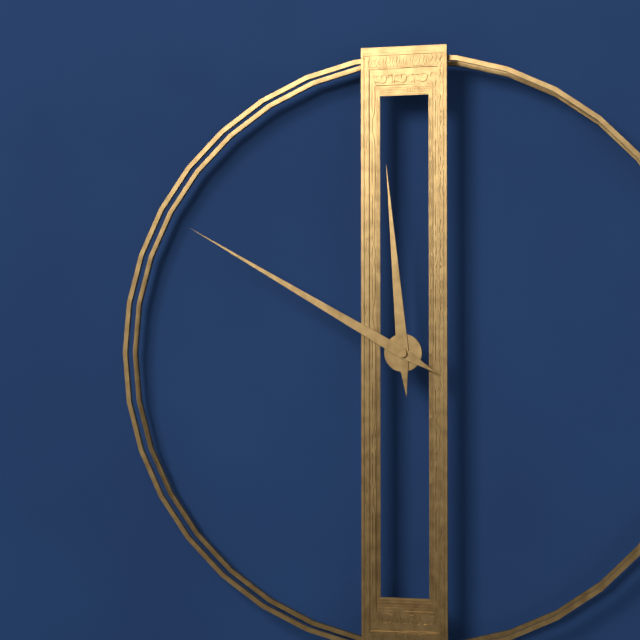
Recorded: 11.50
